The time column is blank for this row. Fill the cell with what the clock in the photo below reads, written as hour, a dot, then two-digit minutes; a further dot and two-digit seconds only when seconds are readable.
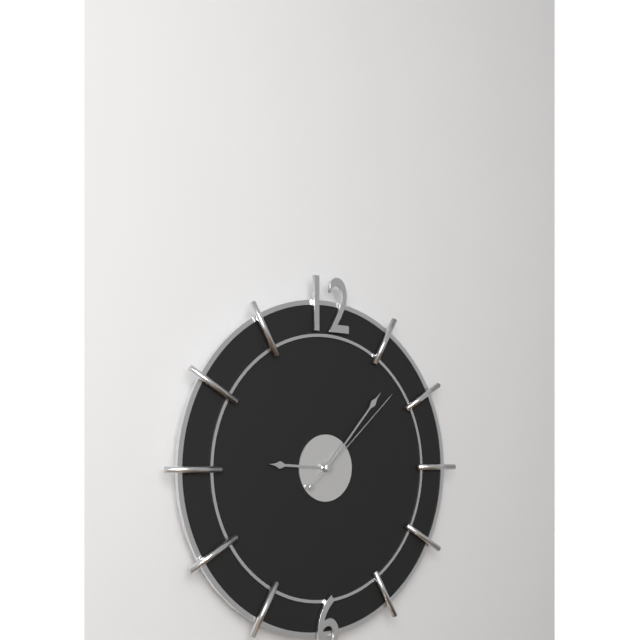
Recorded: 9.07.08
